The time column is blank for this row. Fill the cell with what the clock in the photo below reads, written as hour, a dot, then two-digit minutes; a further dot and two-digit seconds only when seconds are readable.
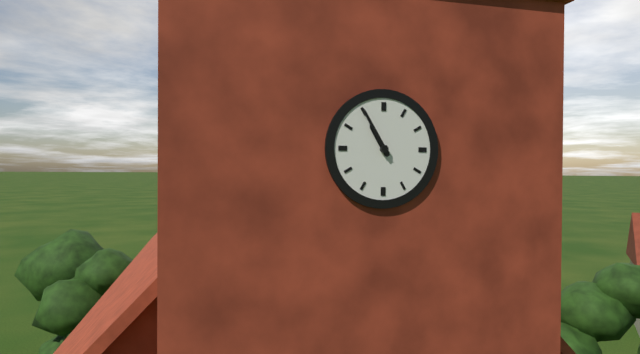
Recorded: 10.55
